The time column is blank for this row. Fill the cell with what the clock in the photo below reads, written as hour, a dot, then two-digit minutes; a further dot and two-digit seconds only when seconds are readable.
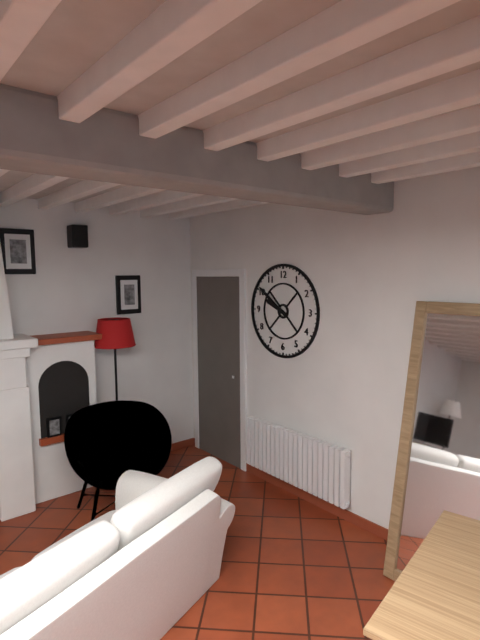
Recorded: 9.51
